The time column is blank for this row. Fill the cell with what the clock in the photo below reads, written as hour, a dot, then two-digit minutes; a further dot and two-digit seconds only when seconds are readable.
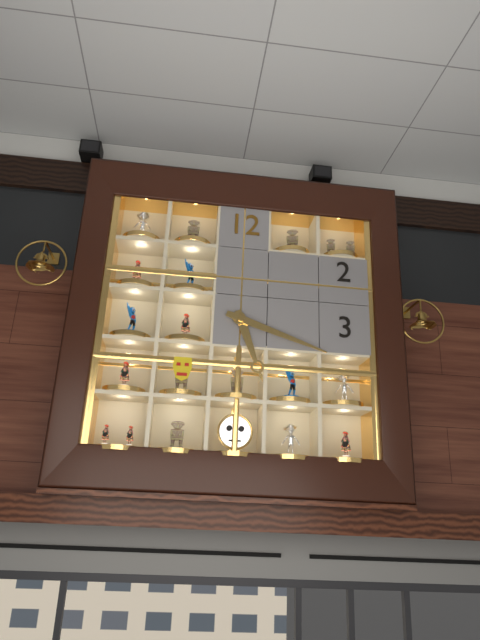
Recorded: 5.18
